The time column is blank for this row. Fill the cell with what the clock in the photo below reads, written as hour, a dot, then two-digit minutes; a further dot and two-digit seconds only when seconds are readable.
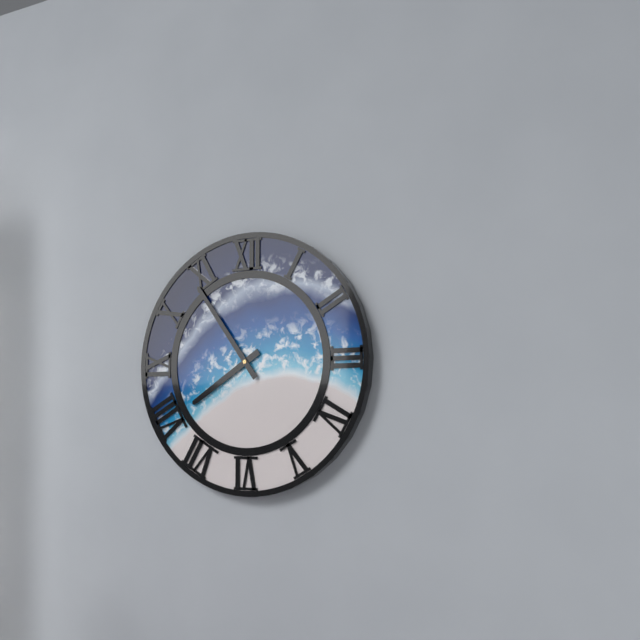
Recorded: 7.54
